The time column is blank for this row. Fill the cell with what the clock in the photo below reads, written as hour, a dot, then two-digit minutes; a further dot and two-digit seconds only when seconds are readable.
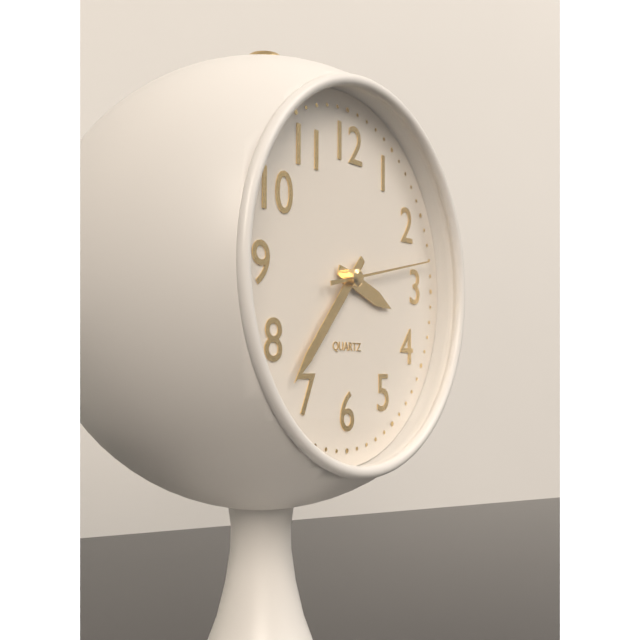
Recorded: 3.37.13
